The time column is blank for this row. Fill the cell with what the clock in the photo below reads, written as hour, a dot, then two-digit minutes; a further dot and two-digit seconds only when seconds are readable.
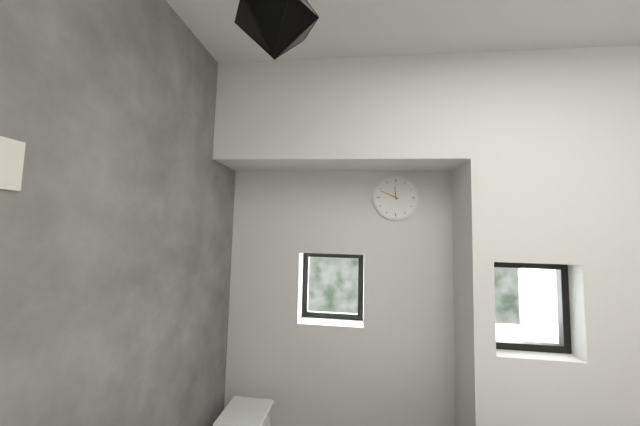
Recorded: 11.49
